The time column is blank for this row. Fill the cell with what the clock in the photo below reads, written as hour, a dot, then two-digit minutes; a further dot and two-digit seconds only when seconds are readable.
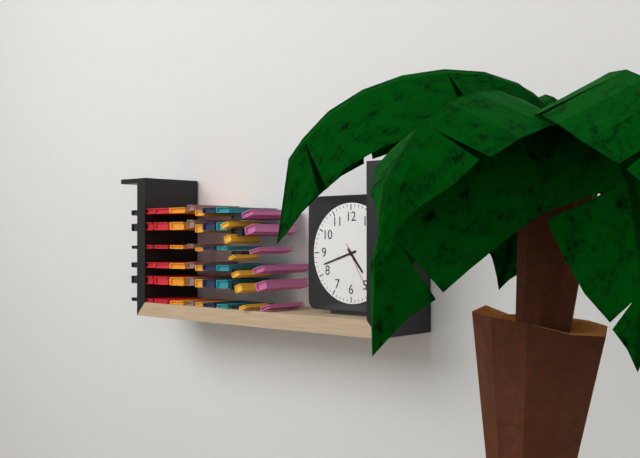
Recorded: 4.42.25
